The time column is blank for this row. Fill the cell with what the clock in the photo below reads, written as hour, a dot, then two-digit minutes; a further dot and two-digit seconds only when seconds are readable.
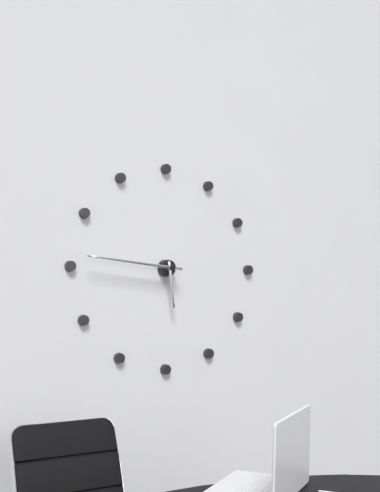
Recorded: 5.46
